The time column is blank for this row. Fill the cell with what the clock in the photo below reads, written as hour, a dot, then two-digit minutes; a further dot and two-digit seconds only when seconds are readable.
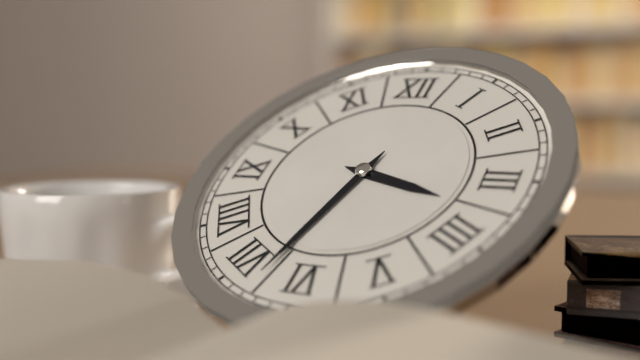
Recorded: 3.33
